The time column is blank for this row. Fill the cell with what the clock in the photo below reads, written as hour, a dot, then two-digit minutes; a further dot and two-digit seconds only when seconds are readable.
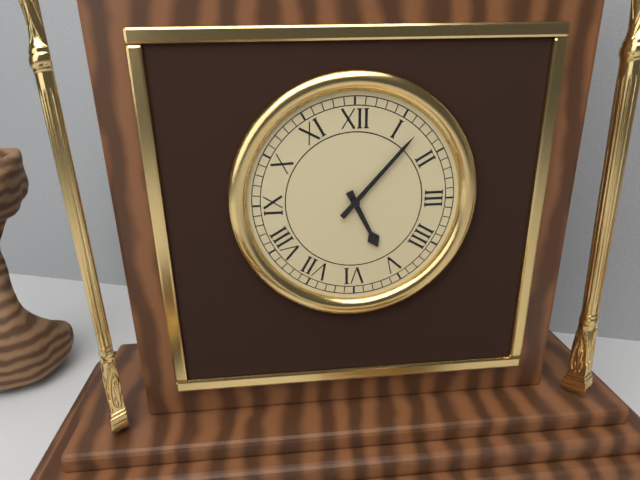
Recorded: 5.07
